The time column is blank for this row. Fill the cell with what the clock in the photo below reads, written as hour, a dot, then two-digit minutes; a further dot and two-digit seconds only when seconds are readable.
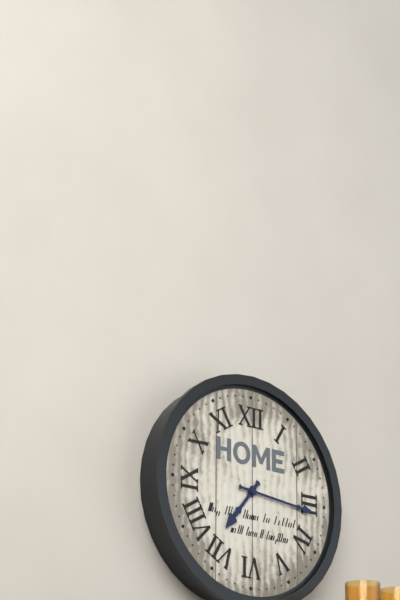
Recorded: 7.16
